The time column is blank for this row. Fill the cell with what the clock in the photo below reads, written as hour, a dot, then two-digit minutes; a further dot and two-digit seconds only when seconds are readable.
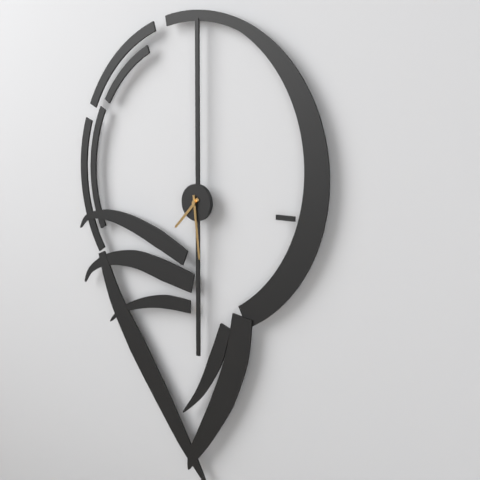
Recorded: 7.29
